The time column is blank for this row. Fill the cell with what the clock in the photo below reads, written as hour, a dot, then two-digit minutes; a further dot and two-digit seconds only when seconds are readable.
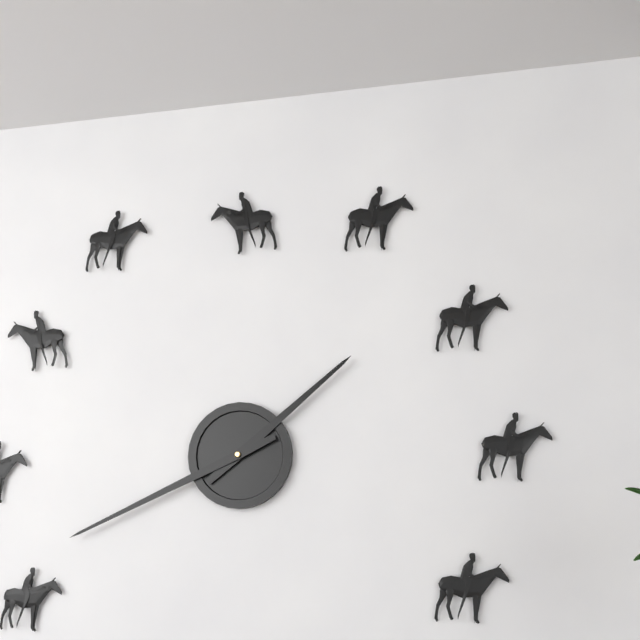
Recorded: 1.41
